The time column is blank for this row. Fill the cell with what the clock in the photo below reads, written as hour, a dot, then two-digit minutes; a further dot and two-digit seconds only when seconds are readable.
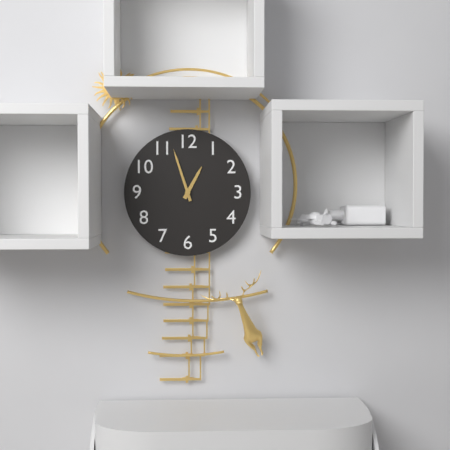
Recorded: 12.57
